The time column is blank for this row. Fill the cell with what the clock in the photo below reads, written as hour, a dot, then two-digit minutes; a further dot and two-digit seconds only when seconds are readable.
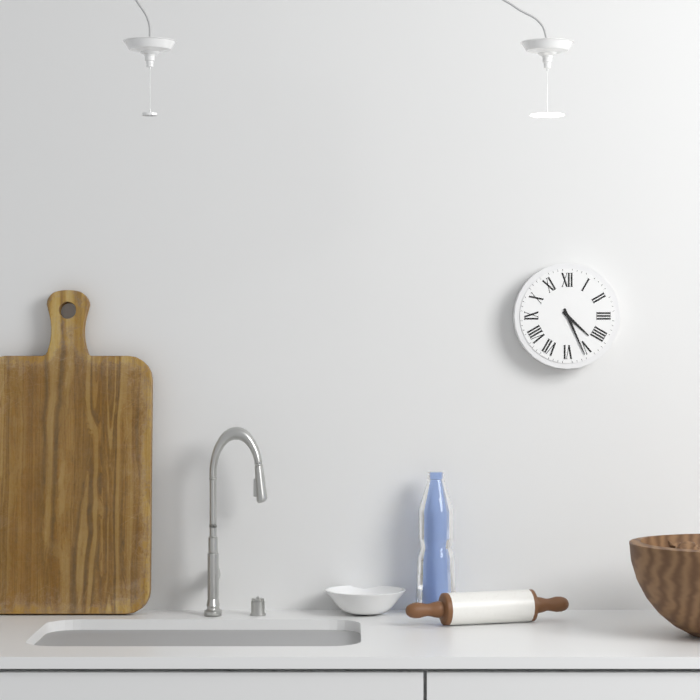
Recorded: 4.26
